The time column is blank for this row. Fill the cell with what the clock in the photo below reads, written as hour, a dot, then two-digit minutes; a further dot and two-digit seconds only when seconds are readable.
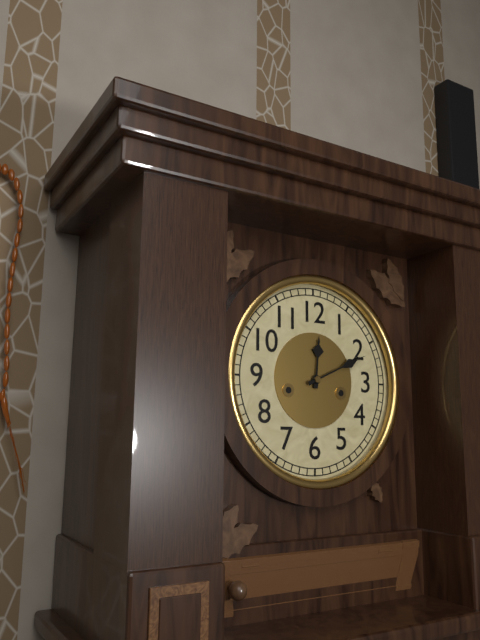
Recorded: 12.11
